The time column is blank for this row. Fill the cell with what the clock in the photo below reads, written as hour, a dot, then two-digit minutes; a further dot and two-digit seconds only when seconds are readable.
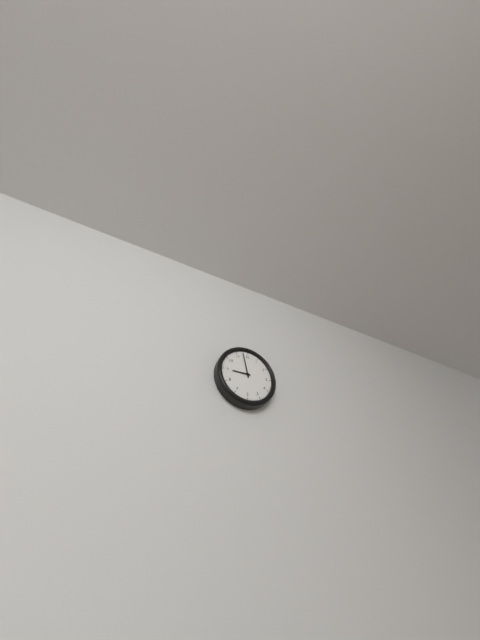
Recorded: 8.58
